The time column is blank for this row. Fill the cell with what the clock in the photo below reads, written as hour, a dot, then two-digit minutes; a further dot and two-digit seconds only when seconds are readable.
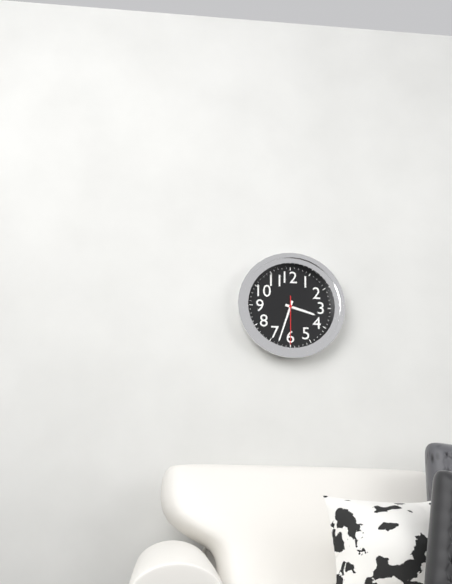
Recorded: 3.33
